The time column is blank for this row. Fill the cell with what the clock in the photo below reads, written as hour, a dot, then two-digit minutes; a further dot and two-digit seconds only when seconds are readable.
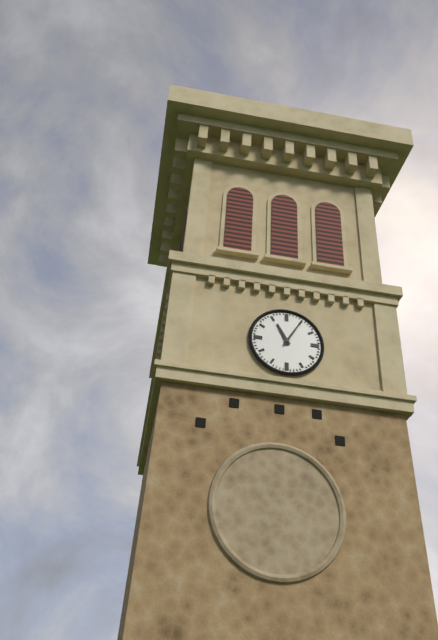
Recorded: 11.05
